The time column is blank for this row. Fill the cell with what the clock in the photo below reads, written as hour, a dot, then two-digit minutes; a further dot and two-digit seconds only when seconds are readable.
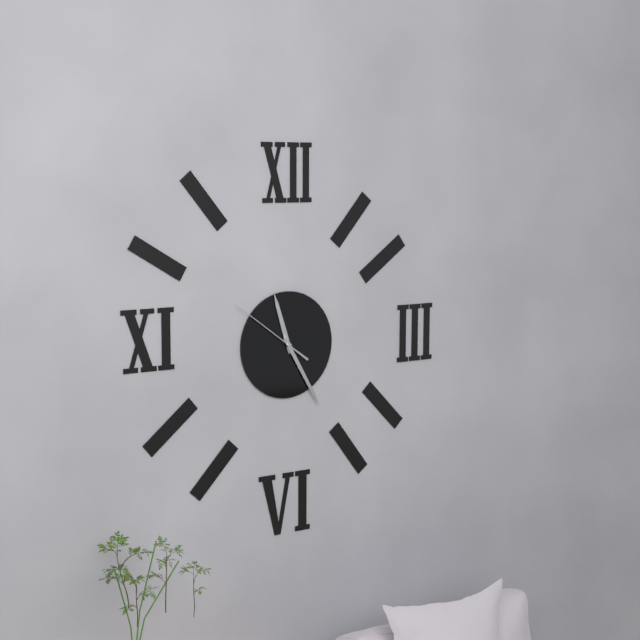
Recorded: 11.25.51
